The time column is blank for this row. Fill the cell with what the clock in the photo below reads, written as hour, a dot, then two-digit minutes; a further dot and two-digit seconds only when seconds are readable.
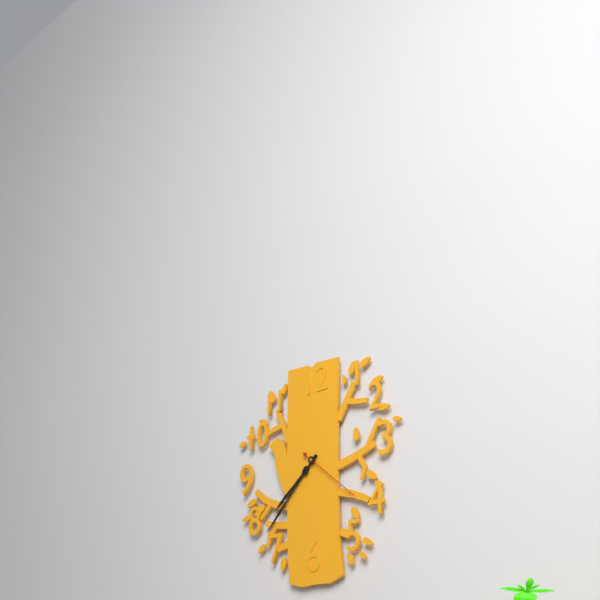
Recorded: 7.37.22
